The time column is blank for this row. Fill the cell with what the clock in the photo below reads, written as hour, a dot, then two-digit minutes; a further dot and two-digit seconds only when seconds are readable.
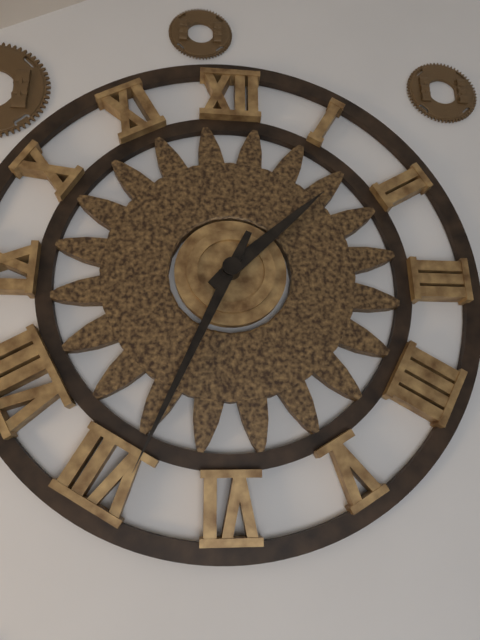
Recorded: 1.34
